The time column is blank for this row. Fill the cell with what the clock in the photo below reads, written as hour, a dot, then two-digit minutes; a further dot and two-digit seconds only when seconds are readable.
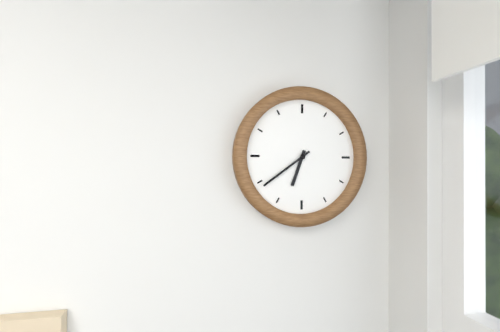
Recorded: 6.39
